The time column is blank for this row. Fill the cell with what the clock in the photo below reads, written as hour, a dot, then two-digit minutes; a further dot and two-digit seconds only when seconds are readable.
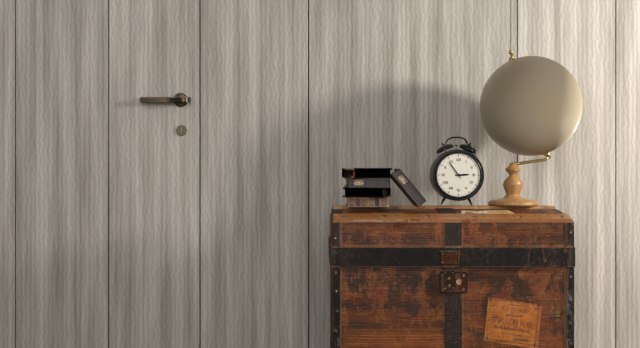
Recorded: 2.54
